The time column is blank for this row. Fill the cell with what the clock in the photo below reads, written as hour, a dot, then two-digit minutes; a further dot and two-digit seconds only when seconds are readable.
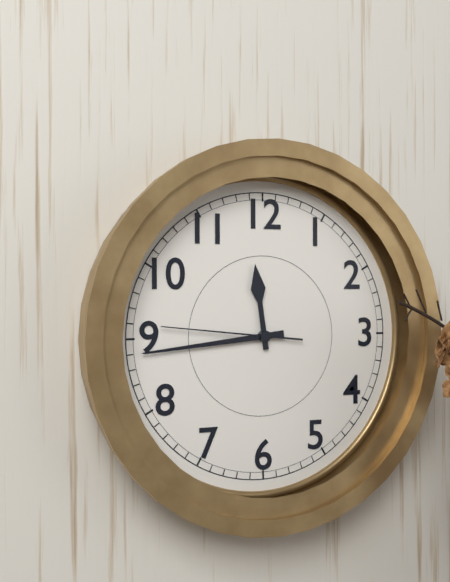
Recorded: 11.44.46
